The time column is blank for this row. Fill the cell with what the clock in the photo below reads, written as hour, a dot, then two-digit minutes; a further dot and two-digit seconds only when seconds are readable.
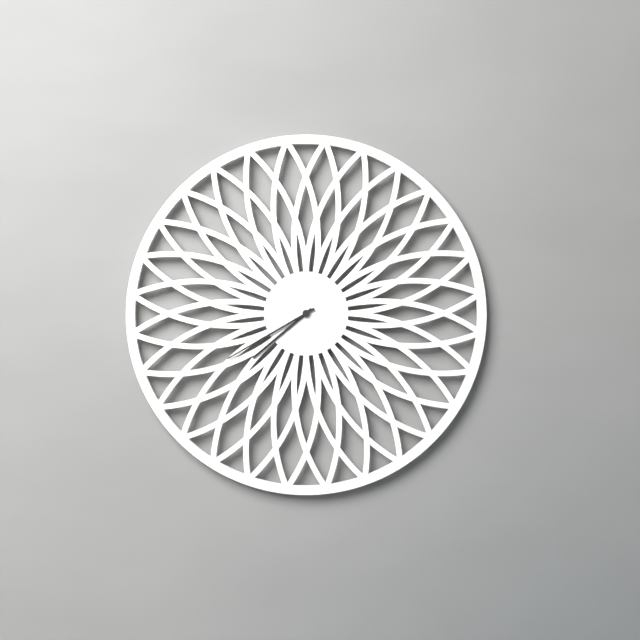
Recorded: 7.40
